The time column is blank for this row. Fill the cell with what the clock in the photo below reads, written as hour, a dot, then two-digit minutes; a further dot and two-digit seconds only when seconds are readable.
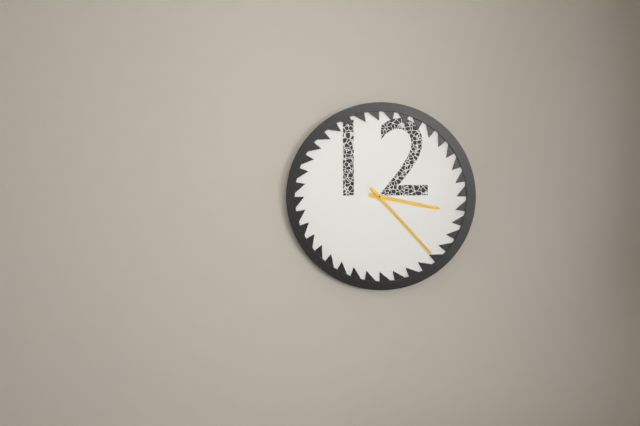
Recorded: 3.23
